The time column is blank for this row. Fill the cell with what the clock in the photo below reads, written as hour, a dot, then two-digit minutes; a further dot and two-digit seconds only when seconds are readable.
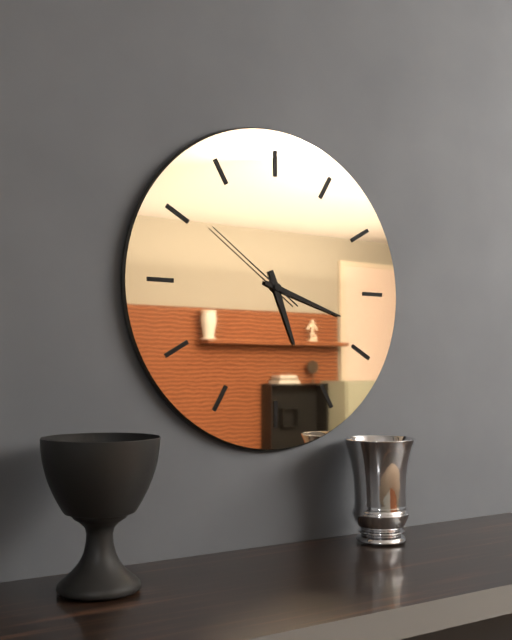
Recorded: 5.18.51
